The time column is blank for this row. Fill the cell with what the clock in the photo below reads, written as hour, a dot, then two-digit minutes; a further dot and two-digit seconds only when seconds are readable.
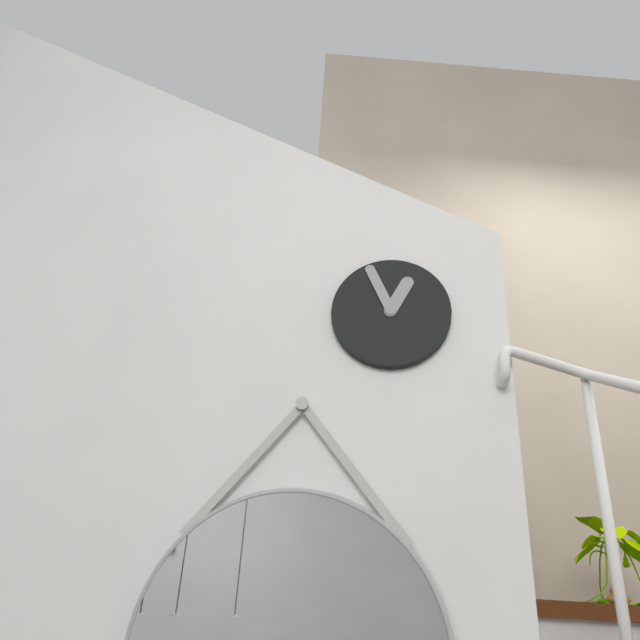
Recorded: 12.56
